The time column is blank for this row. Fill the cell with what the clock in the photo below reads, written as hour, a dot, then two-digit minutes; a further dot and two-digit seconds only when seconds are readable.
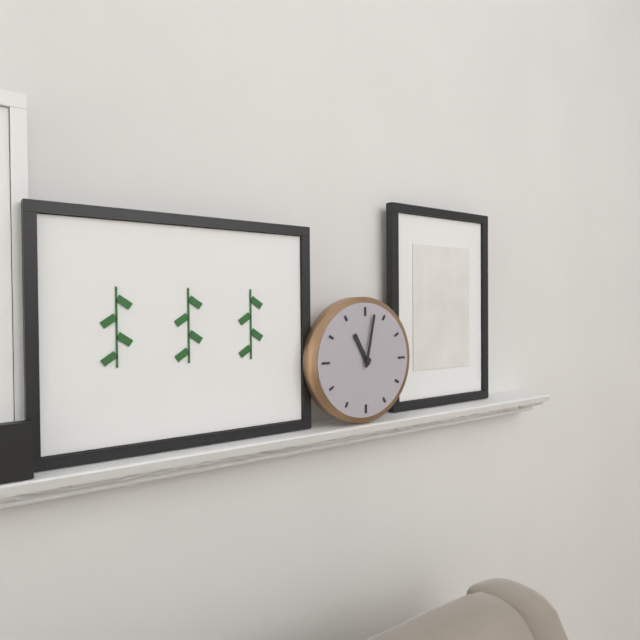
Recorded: 11.02
